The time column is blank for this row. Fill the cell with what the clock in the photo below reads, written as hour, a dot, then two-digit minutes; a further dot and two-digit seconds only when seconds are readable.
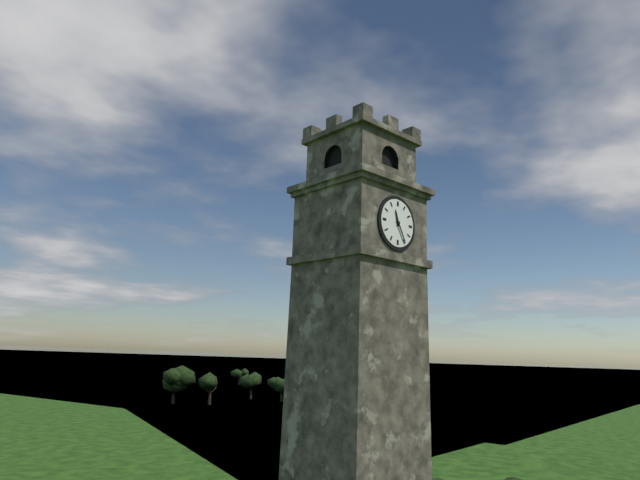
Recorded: 11.25
